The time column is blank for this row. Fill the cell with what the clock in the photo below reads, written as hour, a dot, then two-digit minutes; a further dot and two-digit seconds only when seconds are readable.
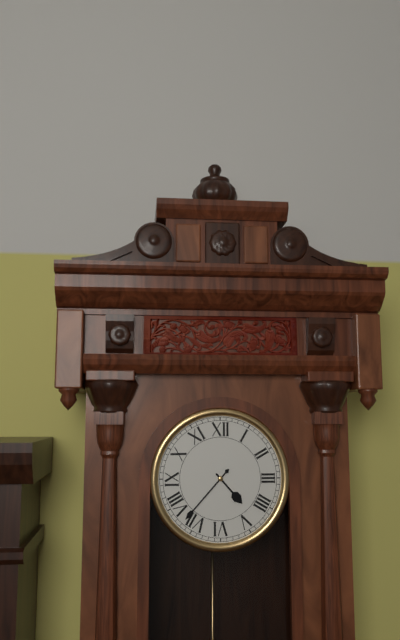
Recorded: 4.37
